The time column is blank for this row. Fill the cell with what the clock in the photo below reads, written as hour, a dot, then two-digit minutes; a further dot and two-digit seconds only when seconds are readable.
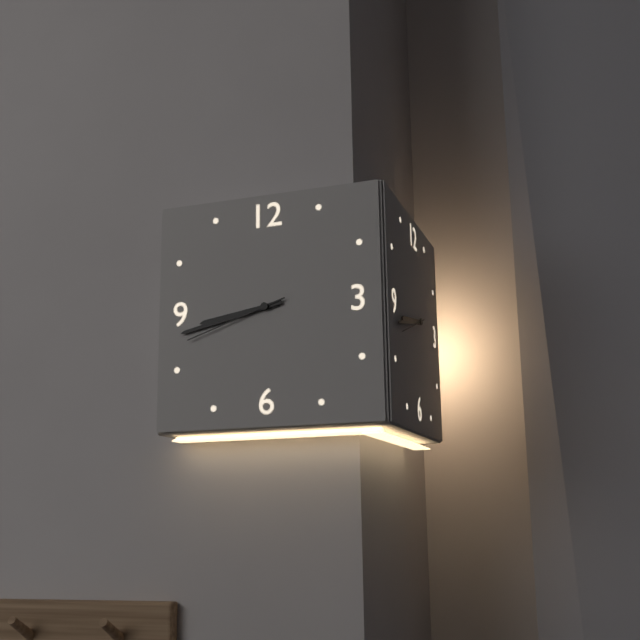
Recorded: 8.43.42
